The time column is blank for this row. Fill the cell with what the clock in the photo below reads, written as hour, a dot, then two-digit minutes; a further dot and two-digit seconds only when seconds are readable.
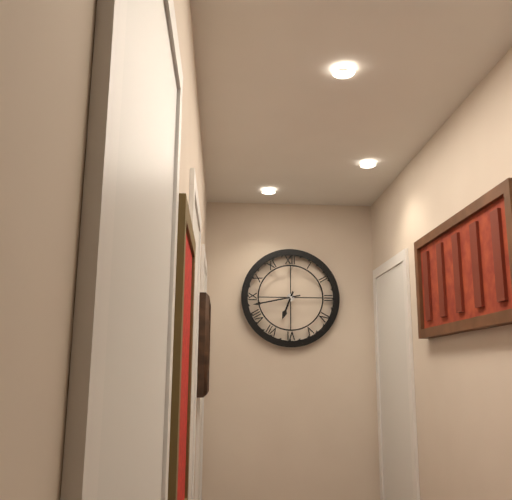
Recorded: 6.43
